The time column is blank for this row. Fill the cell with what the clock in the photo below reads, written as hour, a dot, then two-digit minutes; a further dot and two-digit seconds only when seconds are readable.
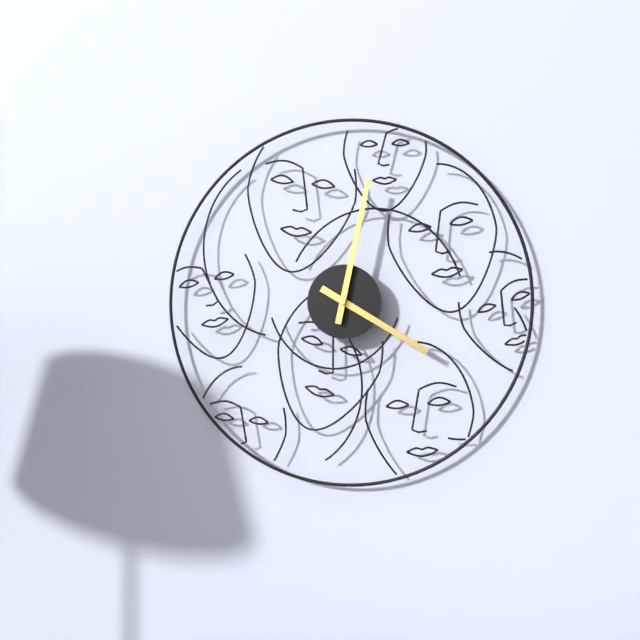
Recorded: 4.02
